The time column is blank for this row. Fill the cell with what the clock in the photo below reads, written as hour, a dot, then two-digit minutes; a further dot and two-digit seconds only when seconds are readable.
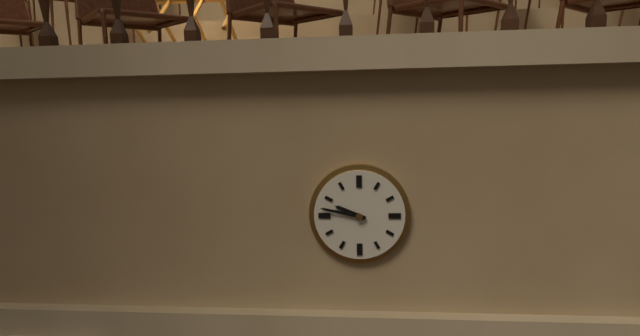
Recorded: 9.47
